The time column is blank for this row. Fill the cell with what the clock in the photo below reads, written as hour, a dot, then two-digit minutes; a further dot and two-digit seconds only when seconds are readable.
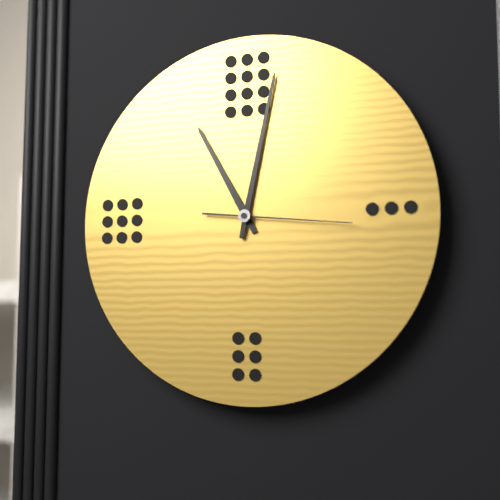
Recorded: 11.02.16
